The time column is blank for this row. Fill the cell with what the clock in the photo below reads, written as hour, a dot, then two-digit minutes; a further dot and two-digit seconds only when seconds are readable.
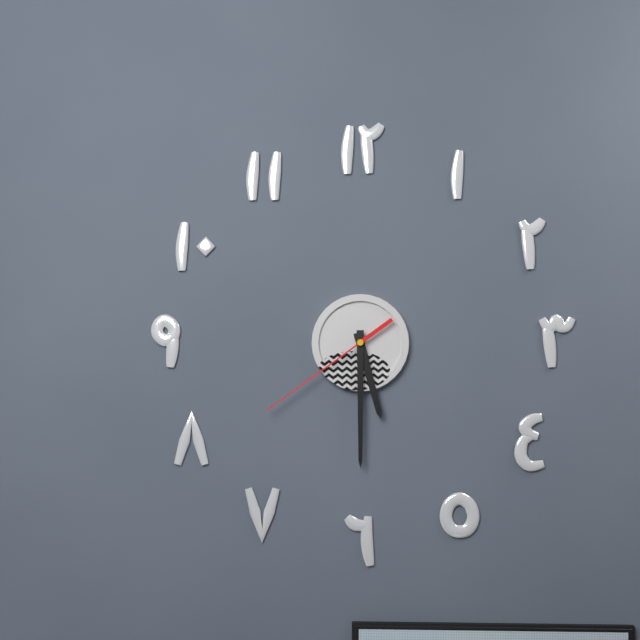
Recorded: 5.30.39
